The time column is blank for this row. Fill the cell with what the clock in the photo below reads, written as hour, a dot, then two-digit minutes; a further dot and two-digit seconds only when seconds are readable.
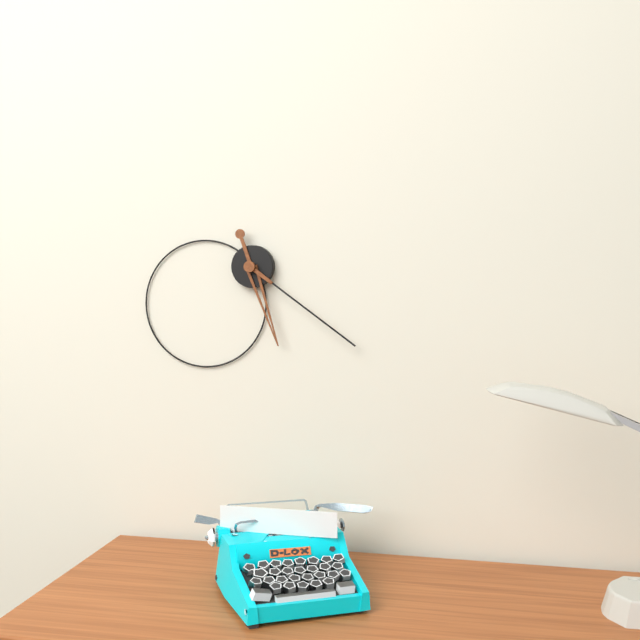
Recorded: 5.21
